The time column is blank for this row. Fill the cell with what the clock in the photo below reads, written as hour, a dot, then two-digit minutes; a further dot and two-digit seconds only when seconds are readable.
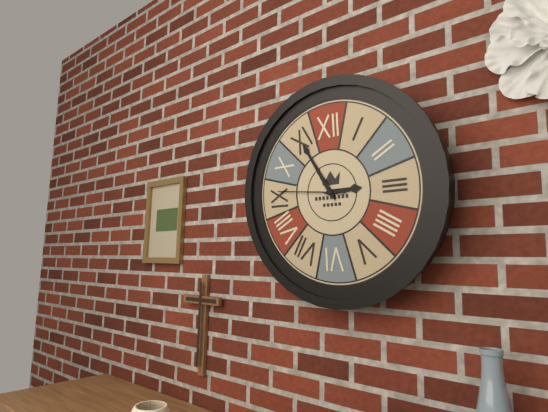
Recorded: 2.55.46
